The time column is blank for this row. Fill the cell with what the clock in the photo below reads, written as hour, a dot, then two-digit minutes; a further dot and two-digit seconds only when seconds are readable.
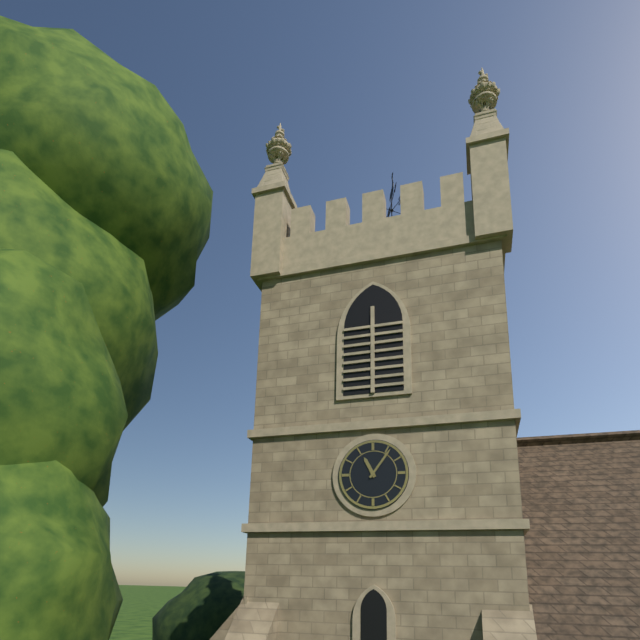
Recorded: 11.06
